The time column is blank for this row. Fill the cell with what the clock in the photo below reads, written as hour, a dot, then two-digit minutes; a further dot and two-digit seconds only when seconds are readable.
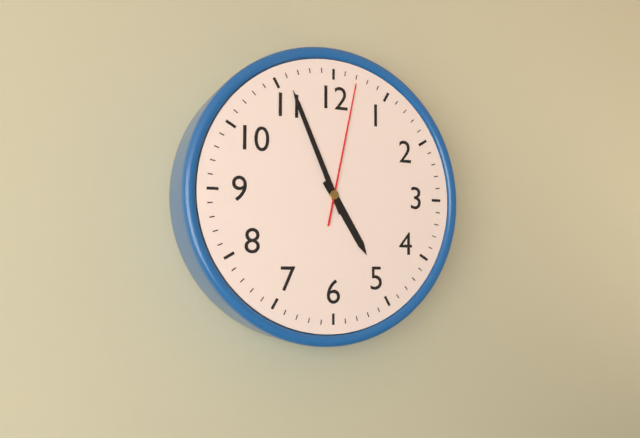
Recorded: 4.56.02
